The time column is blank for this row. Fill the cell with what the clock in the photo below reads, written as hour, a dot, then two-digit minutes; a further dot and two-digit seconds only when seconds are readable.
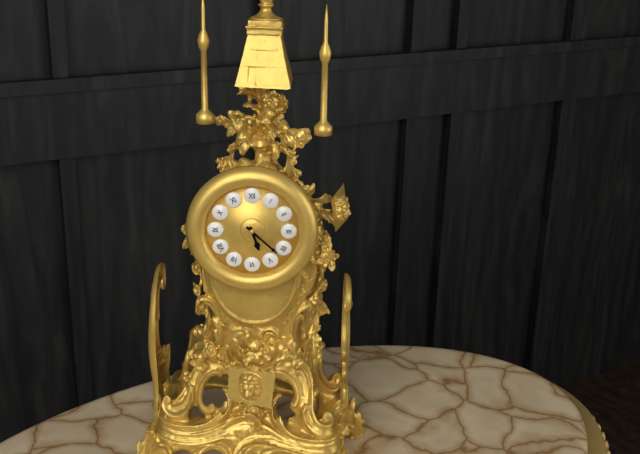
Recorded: 5.22
